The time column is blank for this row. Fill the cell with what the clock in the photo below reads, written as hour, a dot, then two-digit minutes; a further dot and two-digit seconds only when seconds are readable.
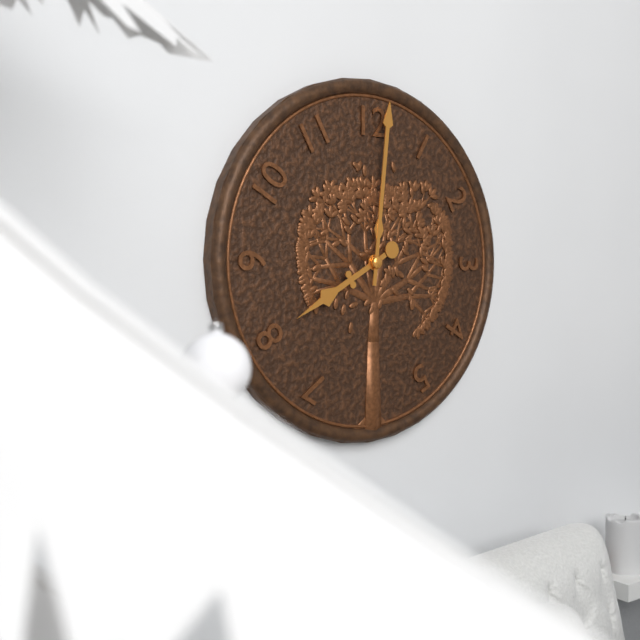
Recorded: 8.01
